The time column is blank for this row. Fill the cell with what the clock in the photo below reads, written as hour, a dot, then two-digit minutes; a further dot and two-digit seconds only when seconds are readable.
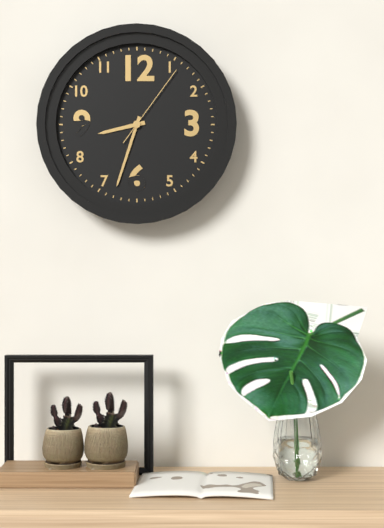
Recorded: 8.33.06
